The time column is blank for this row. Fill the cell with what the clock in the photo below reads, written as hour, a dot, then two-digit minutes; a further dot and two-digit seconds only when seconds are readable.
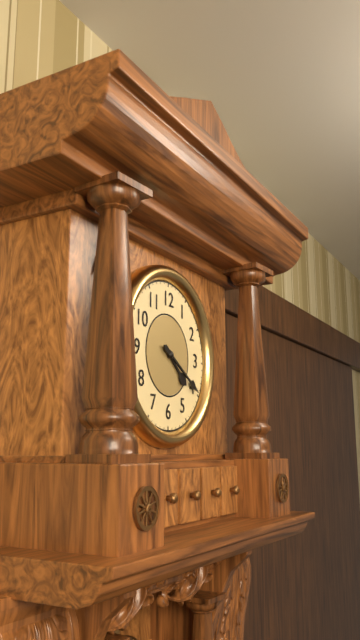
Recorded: 4.20
